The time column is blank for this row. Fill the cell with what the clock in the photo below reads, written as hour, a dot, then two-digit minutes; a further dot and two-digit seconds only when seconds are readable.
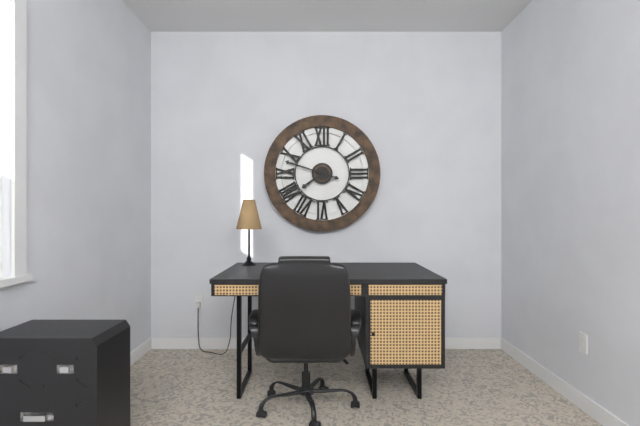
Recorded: 7.48
